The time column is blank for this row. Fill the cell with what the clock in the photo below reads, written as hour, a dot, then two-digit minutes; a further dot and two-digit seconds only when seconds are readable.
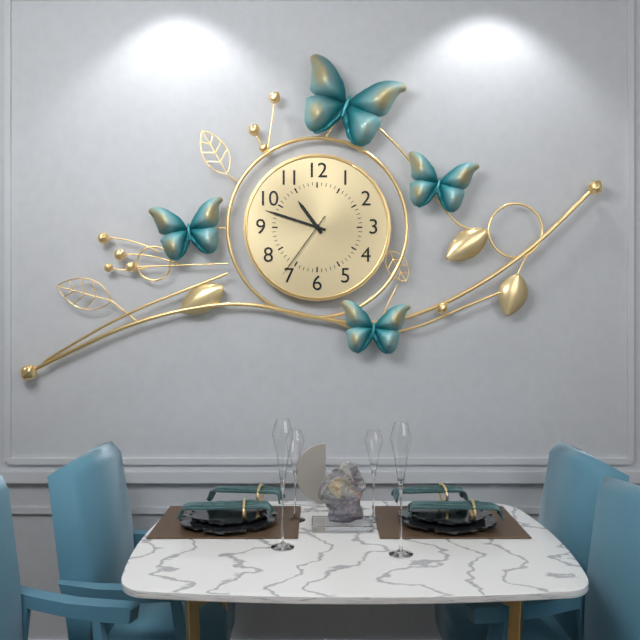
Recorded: 10.48.36
